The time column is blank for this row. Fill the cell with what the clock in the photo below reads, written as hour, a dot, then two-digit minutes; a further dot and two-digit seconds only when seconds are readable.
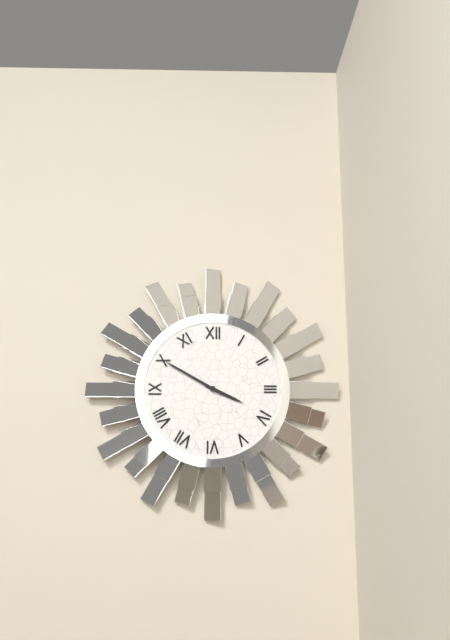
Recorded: 3.50
